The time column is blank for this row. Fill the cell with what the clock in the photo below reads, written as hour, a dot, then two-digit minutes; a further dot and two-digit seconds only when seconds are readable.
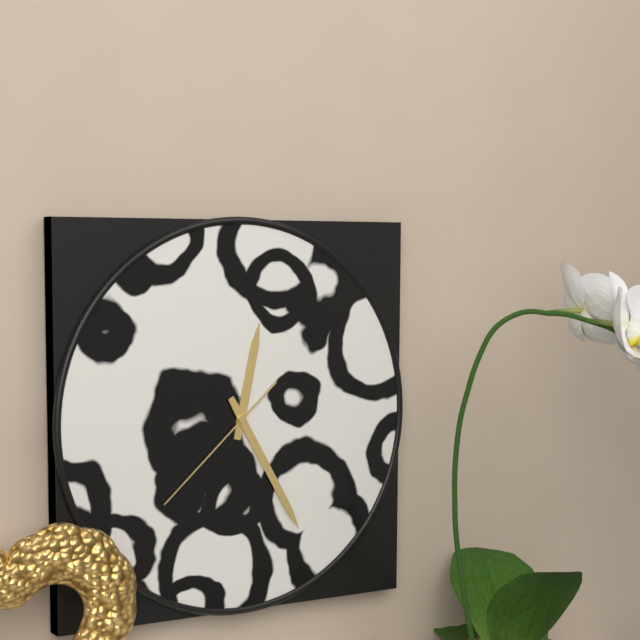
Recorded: 12.25.38
